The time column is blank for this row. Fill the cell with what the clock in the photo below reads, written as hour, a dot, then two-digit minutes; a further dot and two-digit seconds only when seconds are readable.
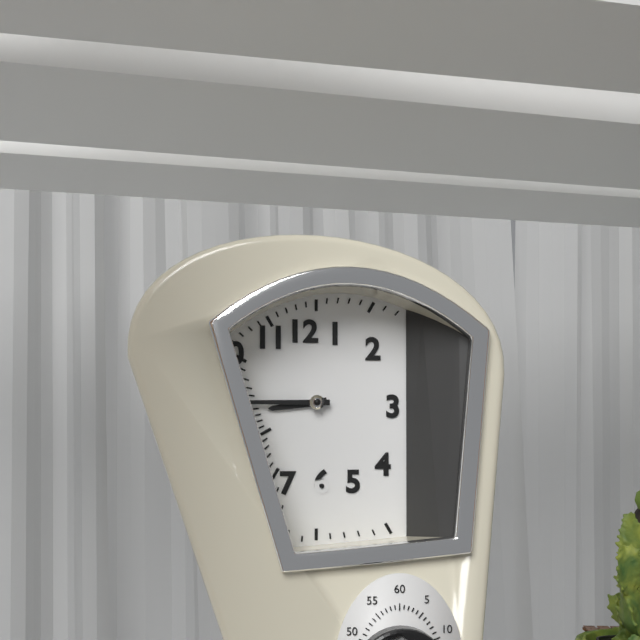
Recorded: 8.45
